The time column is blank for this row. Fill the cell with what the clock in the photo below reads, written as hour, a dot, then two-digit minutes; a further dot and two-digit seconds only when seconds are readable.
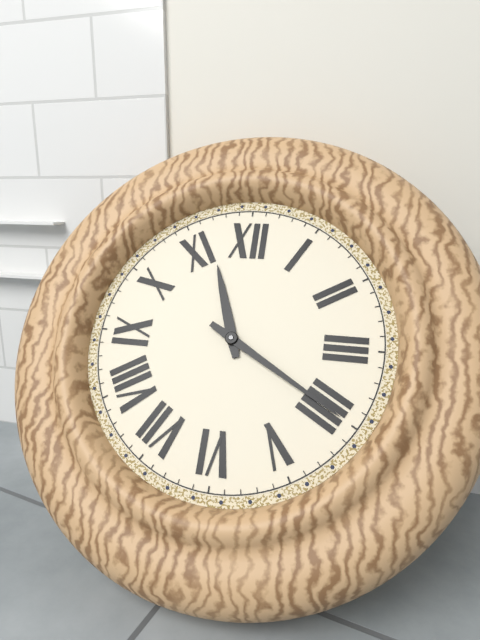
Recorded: 11.20
